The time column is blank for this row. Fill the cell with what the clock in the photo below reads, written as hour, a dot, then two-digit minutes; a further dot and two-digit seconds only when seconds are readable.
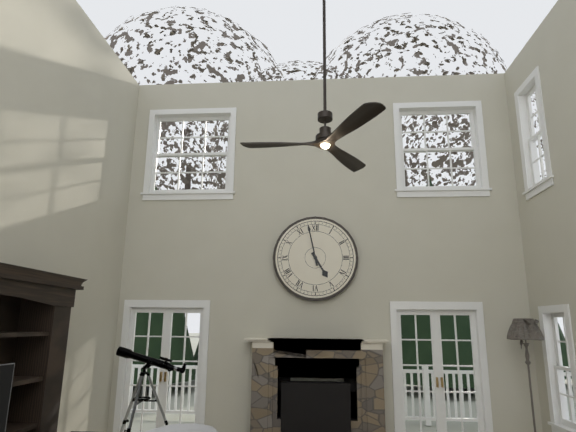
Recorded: 4.58
